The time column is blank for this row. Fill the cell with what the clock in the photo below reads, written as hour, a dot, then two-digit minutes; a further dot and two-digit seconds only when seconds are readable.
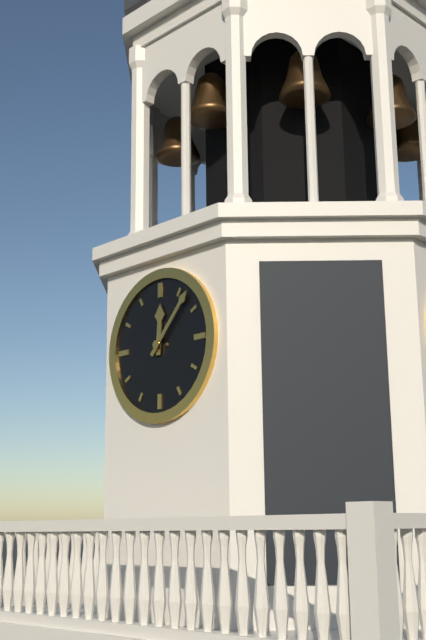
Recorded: 12.07
